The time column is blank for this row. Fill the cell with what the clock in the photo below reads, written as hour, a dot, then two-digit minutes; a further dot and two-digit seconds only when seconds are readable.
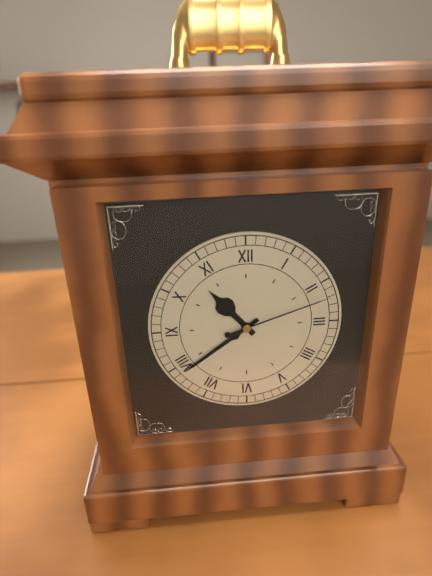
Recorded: 10.39.12
